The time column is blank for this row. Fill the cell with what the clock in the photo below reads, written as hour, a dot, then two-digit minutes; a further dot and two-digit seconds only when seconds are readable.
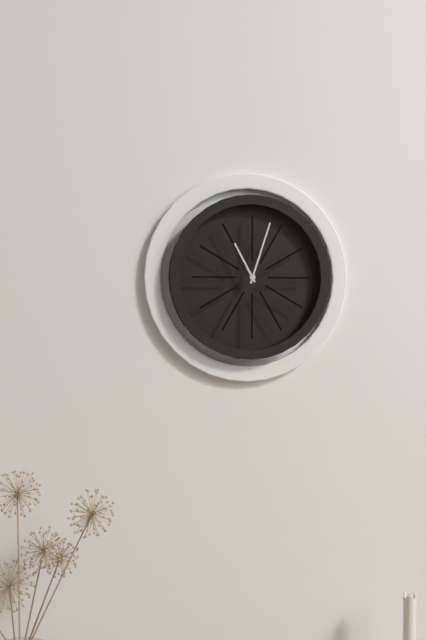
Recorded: 11.03
